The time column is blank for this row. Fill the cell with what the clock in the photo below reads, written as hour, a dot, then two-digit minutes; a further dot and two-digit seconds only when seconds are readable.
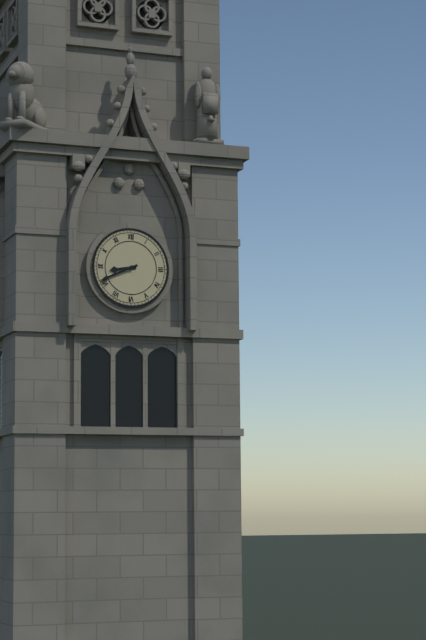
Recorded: 8.41
